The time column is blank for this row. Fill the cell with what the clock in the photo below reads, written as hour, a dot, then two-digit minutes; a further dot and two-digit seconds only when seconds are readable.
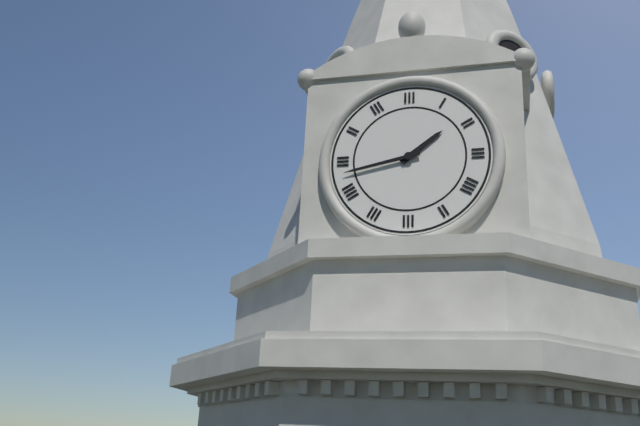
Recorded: 1.43
